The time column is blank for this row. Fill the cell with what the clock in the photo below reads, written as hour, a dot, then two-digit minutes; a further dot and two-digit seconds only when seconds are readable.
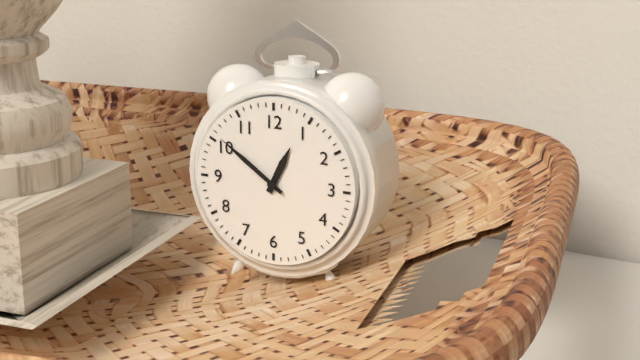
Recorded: 12.51
